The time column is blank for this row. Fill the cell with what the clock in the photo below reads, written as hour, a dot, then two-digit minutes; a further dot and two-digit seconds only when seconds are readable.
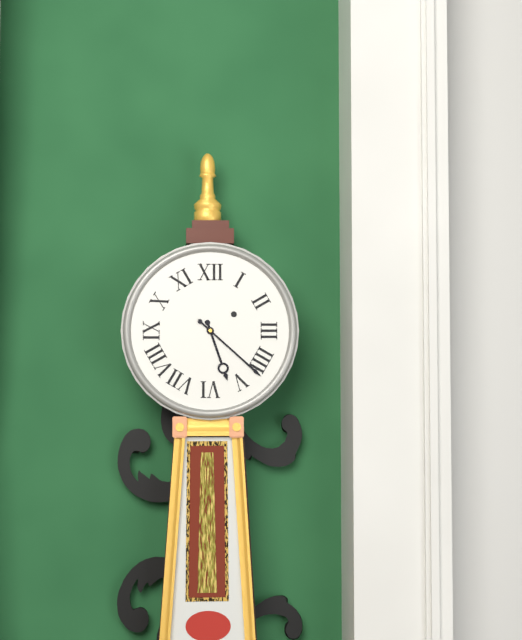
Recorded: 5.22
